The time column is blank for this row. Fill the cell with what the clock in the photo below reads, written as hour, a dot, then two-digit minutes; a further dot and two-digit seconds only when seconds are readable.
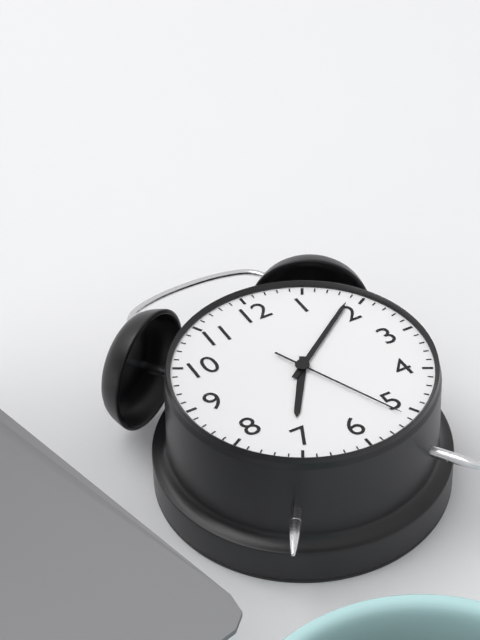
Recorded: 7.09.26
